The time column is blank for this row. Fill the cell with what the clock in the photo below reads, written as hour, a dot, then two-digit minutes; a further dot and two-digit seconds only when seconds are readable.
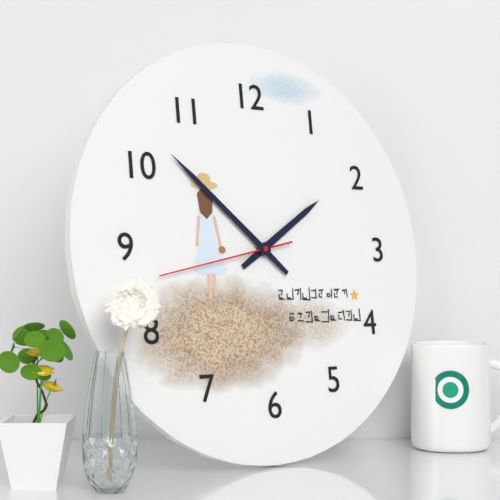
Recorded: 1.52.43
